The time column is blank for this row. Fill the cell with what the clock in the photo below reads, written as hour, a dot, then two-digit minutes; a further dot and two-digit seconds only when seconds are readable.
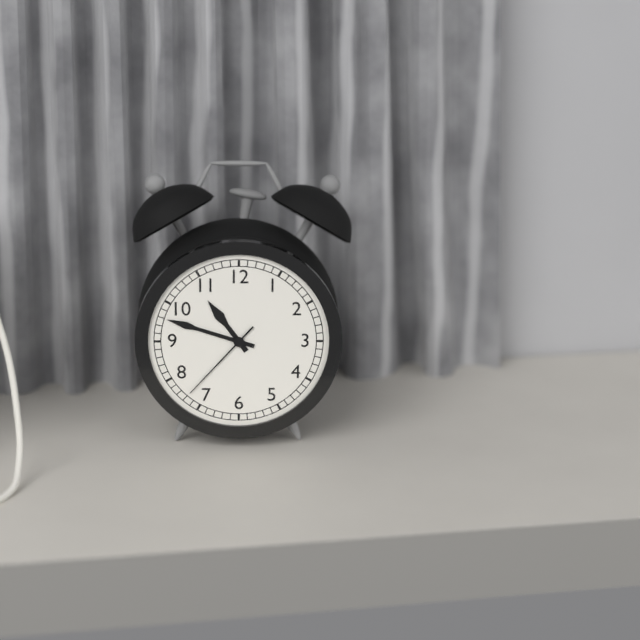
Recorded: 10.48.37
